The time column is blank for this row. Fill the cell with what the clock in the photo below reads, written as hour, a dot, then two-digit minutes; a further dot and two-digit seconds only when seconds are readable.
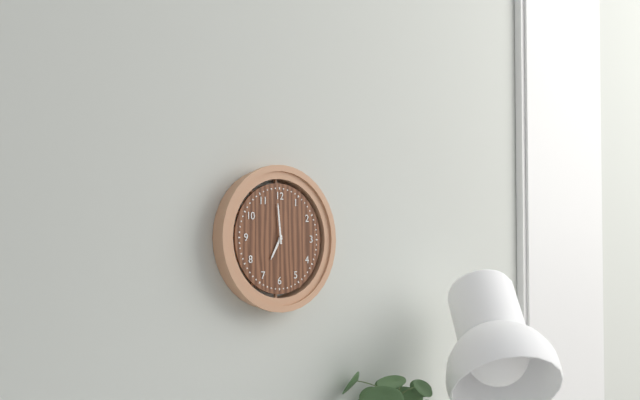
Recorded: 6.59
